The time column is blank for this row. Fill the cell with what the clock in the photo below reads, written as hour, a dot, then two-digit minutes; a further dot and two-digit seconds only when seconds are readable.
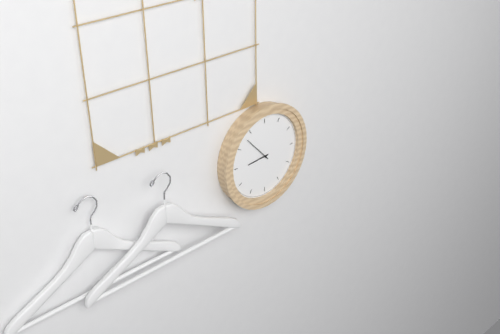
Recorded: 8.53
